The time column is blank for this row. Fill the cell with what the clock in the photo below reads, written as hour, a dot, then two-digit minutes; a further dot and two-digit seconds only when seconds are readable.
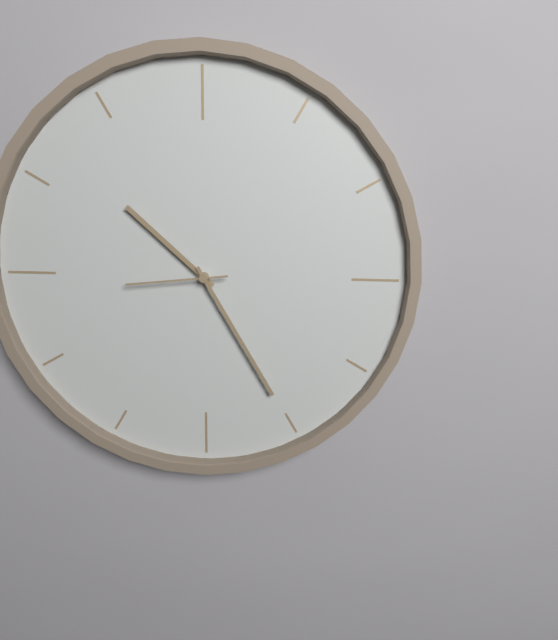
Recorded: 10.25.44
